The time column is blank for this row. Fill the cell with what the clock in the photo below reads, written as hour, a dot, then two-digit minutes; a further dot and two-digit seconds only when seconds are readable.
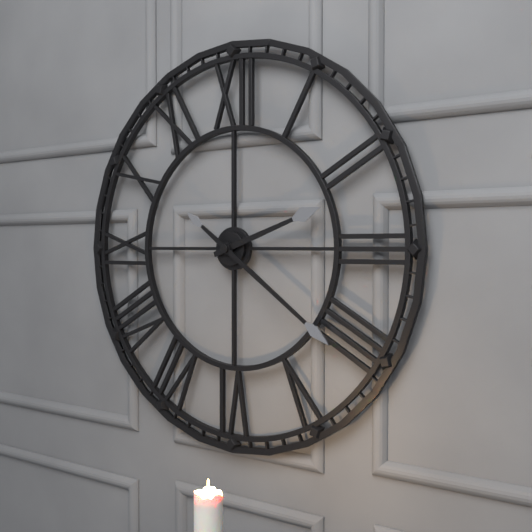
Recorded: 2.21
